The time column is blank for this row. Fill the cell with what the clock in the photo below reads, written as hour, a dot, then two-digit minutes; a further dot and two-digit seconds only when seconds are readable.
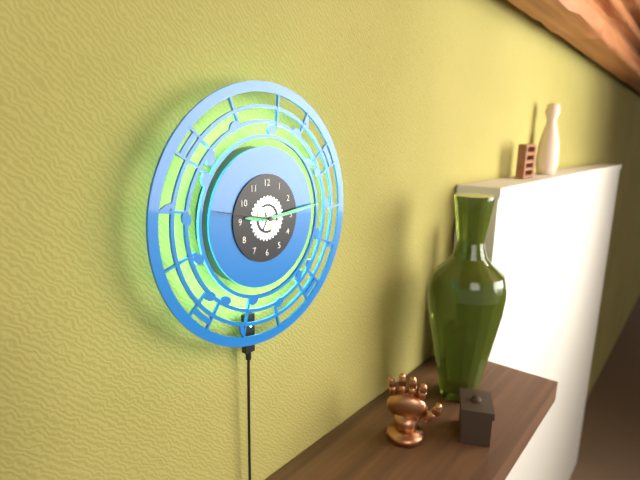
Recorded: 9.14.47
